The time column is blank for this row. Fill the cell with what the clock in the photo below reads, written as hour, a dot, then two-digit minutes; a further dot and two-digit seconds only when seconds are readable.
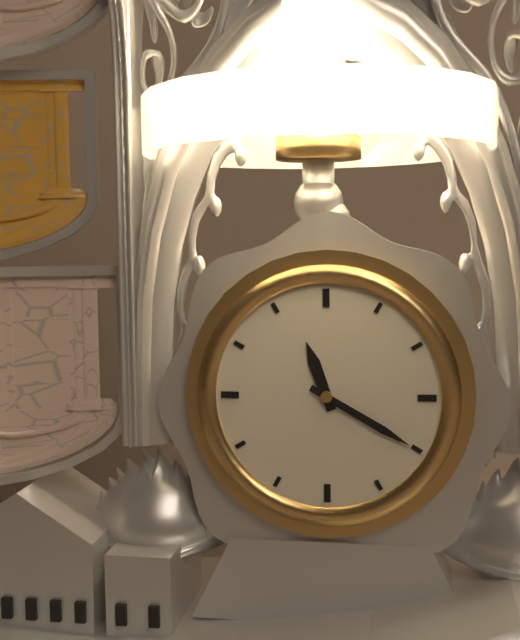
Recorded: 11.20
